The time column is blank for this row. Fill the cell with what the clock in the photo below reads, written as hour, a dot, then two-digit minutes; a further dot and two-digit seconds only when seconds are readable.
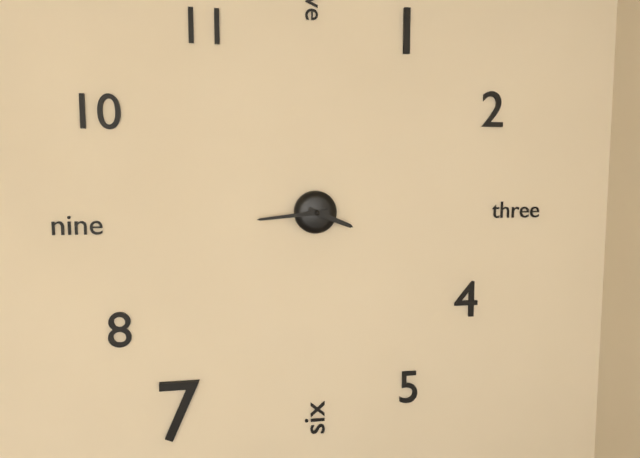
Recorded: 3.44
